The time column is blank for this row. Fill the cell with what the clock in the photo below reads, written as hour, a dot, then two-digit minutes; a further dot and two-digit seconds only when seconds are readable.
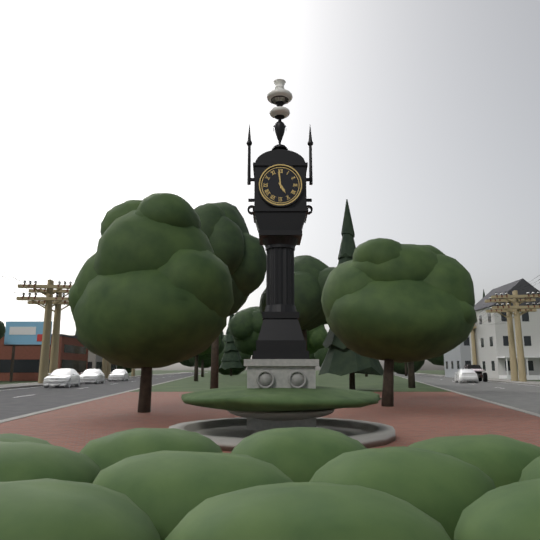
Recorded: 4.59
